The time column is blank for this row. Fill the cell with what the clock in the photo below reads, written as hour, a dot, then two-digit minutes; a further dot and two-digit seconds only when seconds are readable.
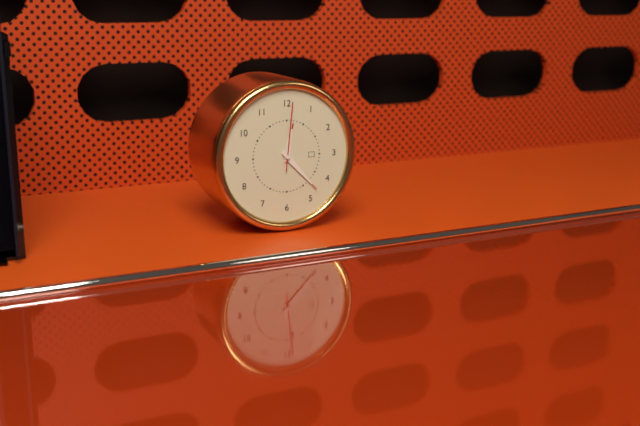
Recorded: 12.23.01
